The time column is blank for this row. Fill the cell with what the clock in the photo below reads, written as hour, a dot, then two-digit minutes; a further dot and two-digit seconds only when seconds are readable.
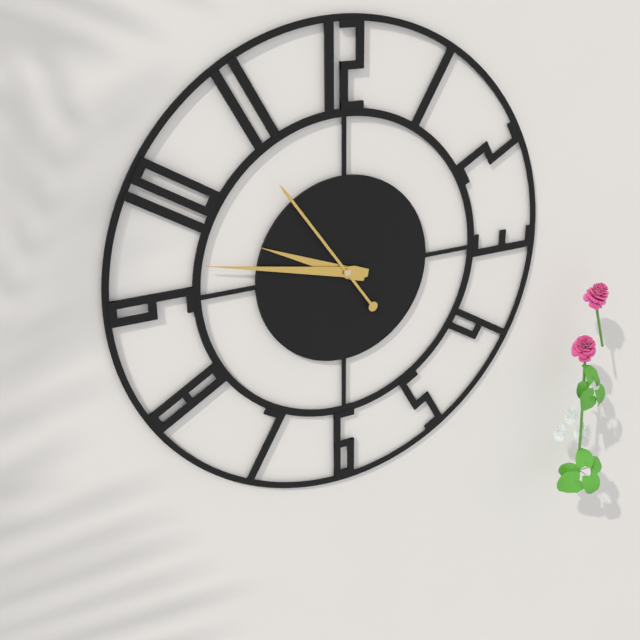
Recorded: 9.47.54
